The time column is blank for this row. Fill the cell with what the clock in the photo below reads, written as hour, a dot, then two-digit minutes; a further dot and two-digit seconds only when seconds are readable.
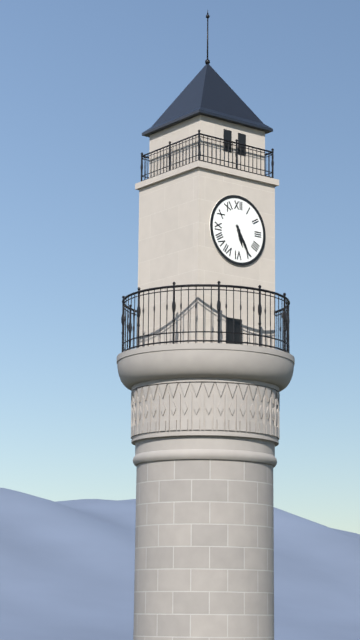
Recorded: 5.25
